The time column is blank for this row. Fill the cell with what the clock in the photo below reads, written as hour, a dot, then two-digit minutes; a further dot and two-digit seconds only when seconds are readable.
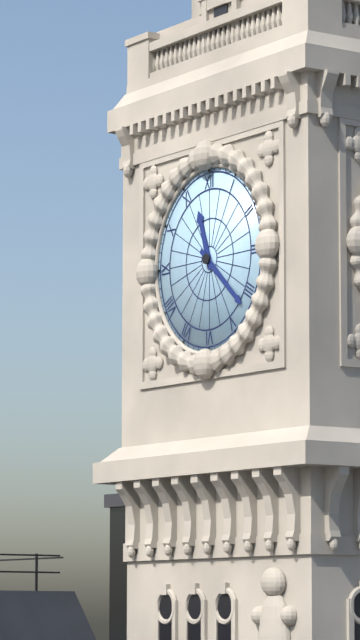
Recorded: 11.22
